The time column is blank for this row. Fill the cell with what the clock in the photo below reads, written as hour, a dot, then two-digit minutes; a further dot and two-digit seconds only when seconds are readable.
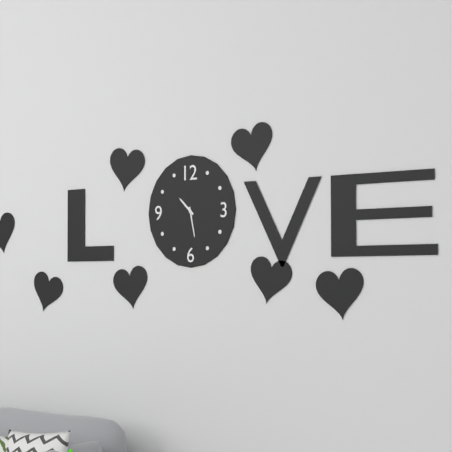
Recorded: 10.28
